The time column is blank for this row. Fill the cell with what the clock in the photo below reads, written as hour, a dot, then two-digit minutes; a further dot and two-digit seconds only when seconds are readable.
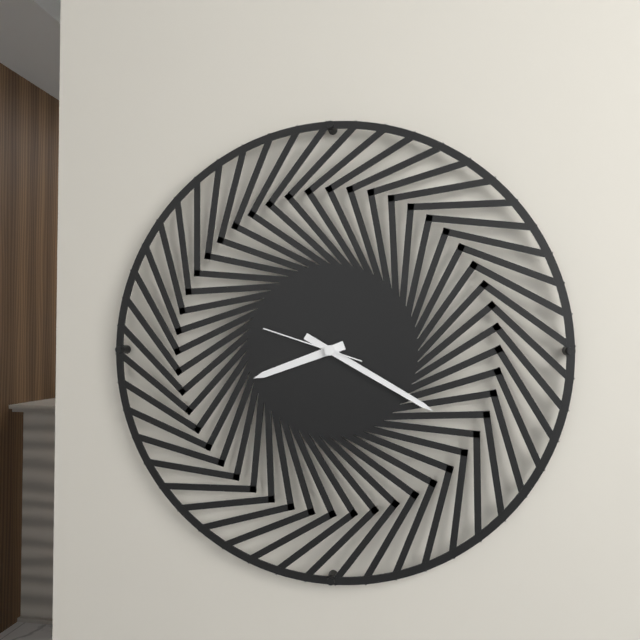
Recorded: 8.20.48
